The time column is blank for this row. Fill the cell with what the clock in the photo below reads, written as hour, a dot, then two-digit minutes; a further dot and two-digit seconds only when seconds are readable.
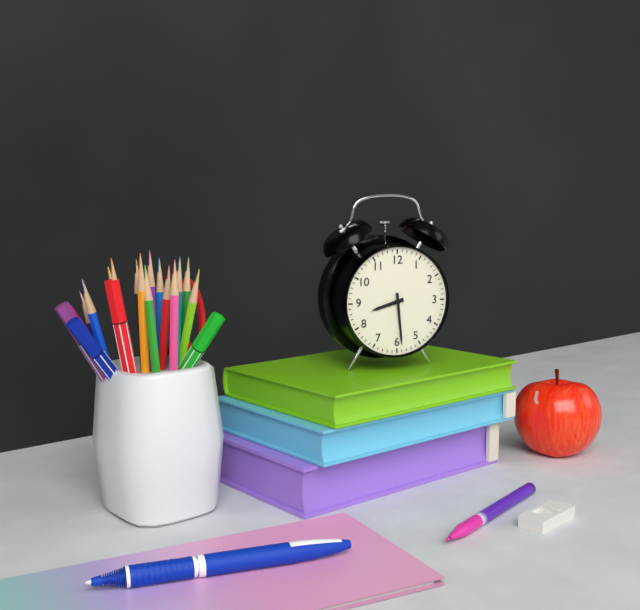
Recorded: 8.29
